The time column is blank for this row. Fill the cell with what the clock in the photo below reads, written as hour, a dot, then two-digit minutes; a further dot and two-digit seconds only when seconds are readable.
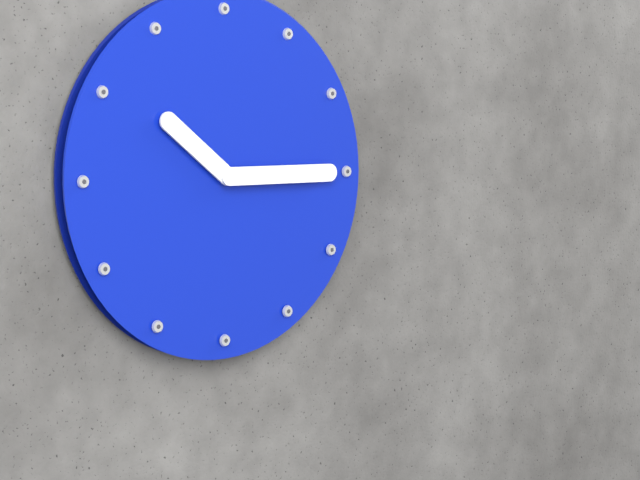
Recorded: 10.15
